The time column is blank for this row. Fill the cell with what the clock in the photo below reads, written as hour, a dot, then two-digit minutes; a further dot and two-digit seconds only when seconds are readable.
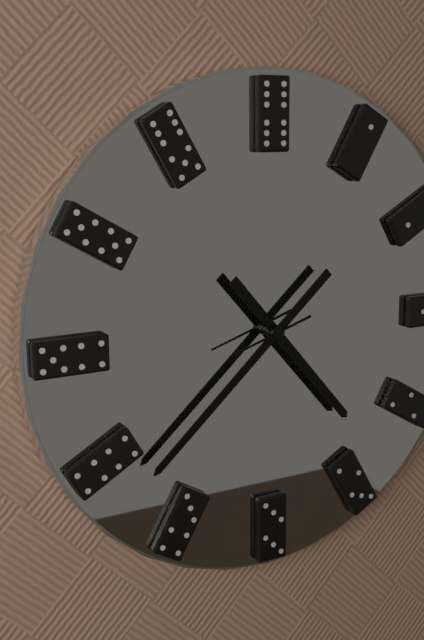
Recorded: 4.38.42
